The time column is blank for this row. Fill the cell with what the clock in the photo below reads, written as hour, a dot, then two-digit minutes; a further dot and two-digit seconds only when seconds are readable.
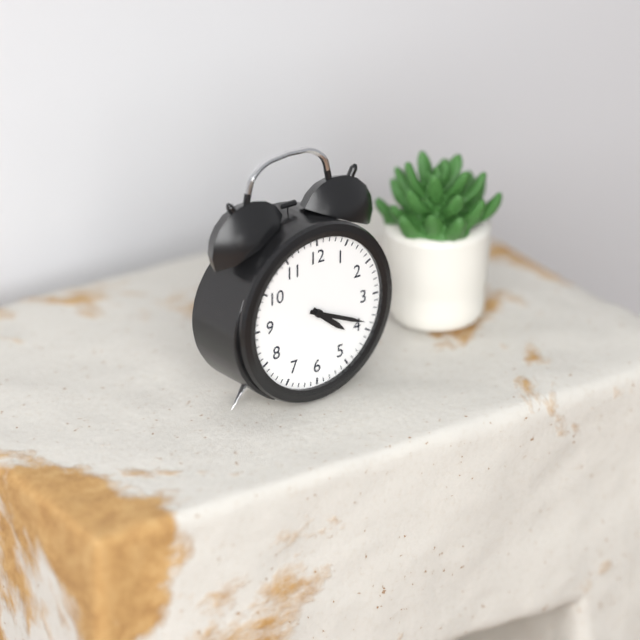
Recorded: 4.19
